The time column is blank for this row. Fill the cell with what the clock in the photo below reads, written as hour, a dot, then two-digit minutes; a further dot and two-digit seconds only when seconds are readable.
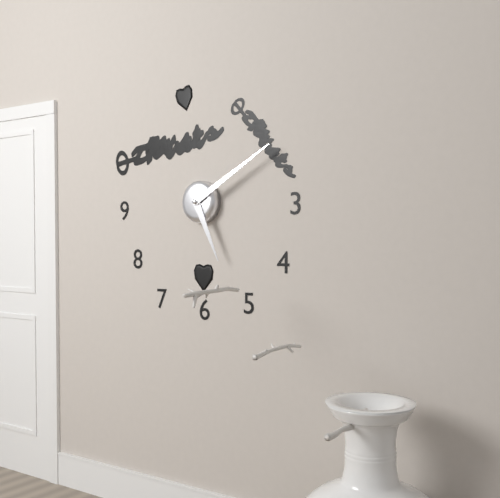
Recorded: 5.10
